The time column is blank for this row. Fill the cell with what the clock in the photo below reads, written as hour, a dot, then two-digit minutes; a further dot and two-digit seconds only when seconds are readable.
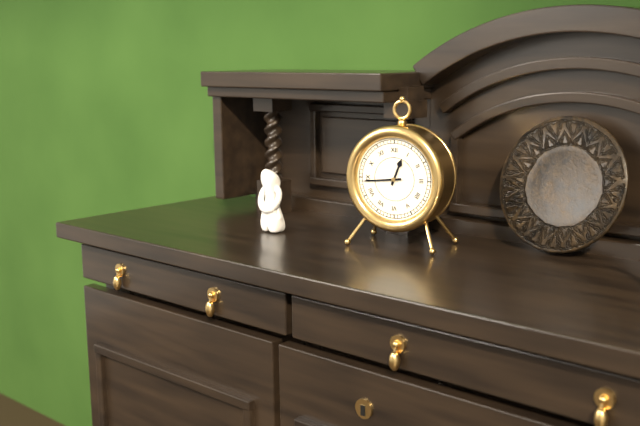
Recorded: 12.44
